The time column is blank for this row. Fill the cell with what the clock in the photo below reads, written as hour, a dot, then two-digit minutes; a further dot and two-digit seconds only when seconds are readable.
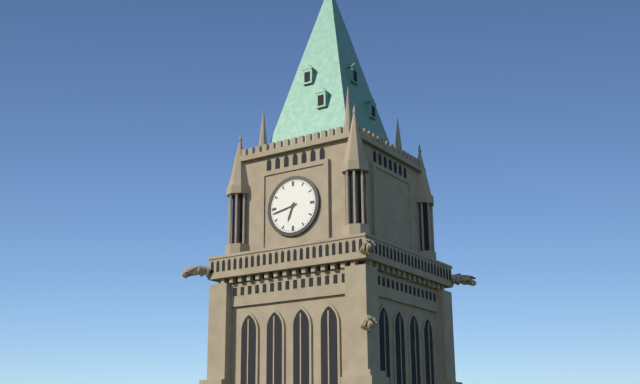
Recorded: 6.43
